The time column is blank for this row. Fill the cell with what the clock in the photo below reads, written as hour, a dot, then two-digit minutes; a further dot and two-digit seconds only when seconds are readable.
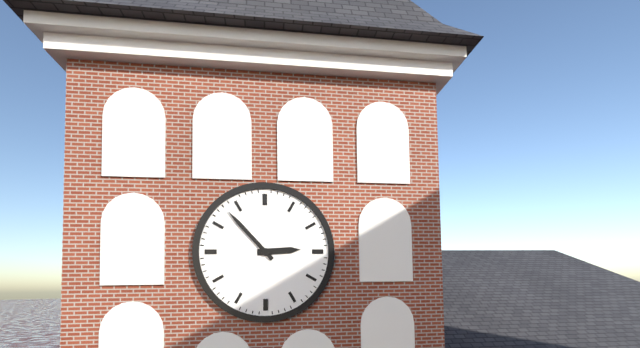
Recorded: 2.53
